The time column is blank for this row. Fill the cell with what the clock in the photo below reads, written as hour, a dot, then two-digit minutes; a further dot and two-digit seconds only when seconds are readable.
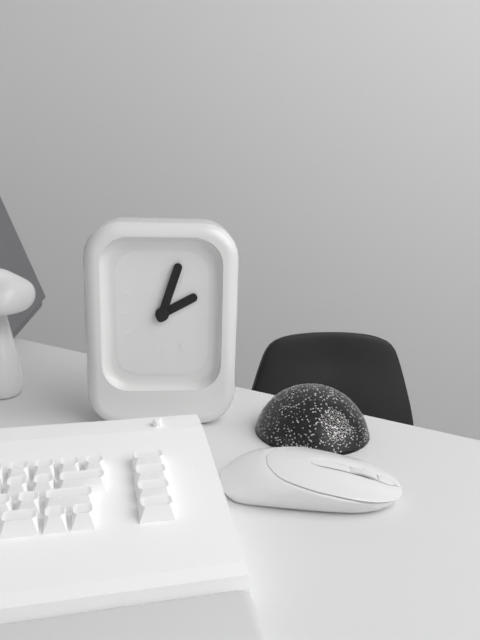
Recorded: 2.03
